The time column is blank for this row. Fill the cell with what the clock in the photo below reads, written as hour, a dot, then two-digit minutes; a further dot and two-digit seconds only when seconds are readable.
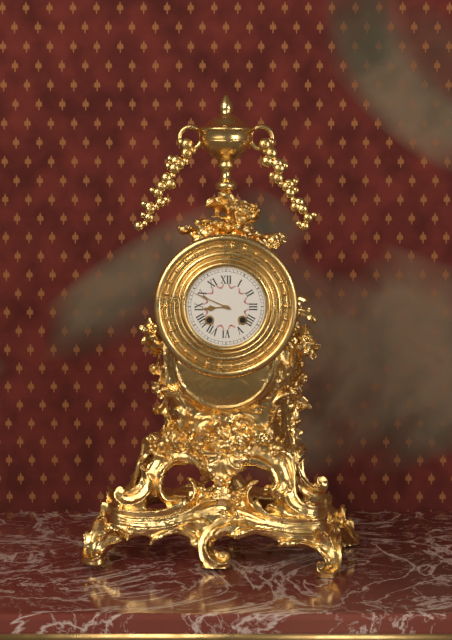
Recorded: 8.49
